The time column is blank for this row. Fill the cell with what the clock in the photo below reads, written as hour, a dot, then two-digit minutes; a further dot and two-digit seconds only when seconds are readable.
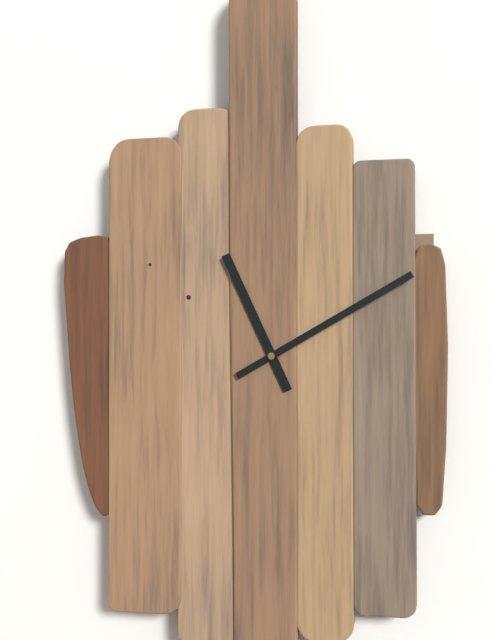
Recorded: 11.10
